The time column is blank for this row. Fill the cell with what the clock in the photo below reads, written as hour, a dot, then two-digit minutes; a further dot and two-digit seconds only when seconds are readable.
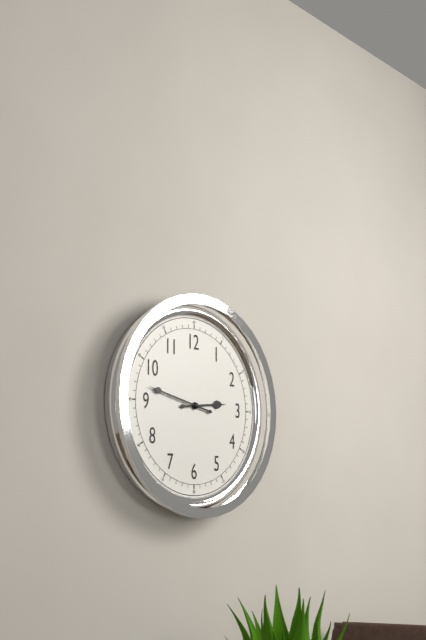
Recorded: 2.47
